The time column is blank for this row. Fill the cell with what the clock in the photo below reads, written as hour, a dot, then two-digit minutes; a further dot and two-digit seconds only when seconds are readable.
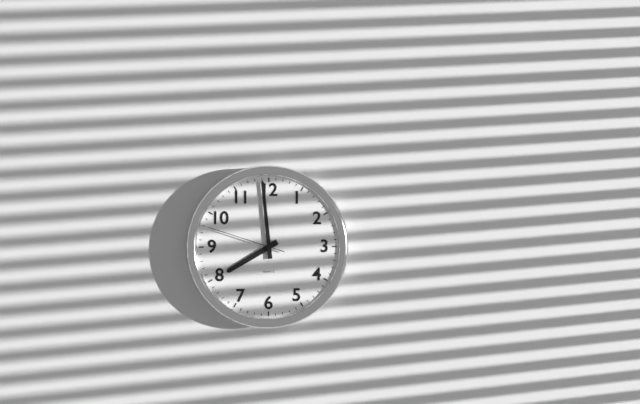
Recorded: 7.59.48
